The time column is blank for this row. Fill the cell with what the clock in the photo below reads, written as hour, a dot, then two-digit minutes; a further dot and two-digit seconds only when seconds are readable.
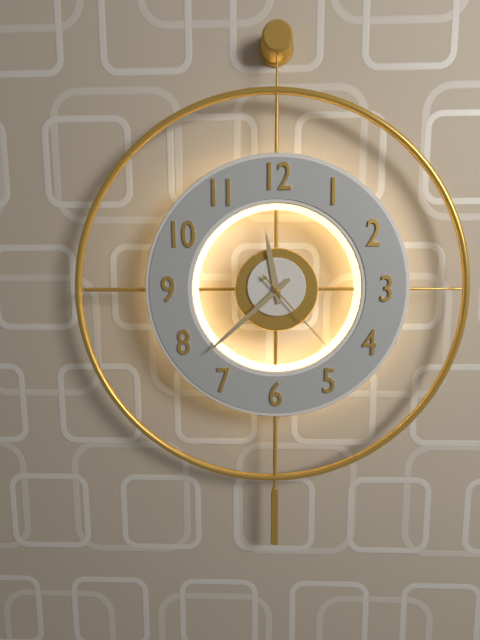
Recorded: 11.38.23
